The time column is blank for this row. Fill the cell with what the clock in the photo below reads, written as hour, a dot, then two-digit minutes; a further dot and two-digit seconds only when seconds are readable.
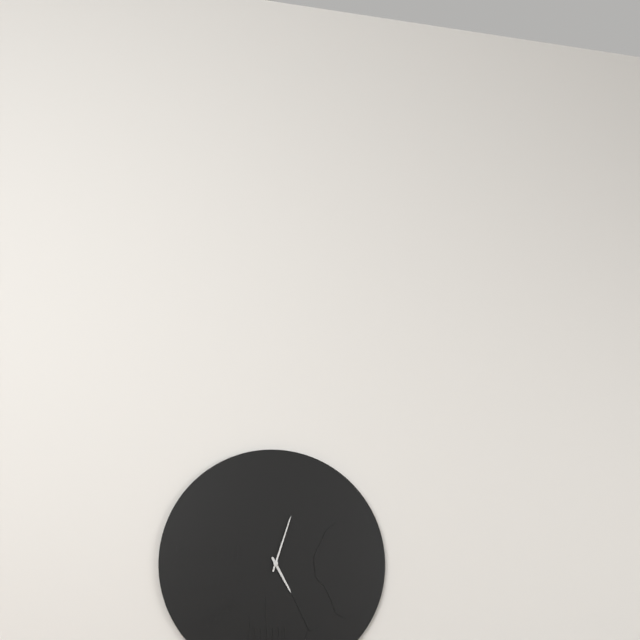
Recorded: 5.03
